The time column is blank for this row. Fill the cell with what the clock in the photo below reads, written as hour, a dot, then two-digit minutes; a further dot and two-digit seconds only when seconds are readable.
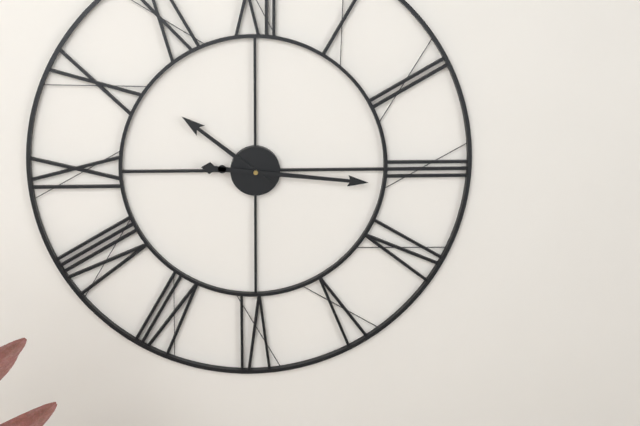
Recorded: 10.16
